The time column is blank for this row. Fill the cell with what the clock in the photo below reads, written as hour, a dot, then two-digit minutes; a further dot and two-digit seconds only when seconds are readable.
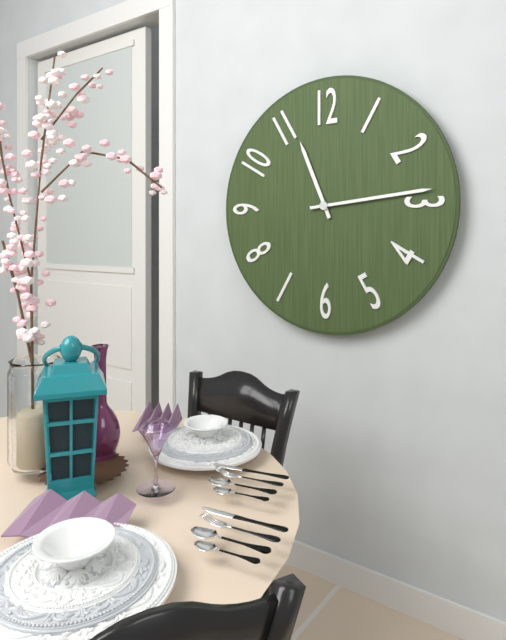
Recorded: 11.14
